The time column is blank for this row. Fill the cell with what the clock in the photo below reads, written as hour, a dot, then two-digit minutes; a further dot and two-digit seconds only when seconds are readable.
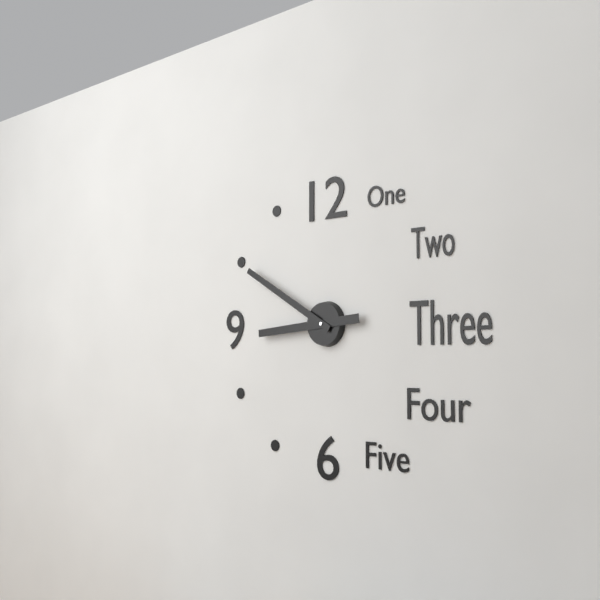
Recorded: 8.50
